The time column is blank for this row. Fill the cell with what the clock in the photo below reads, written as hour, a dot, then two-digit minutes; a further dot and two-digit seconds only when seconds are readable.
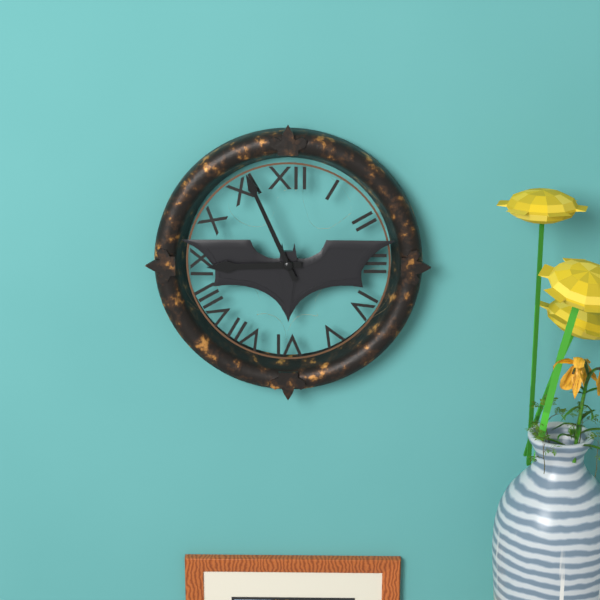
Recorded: 8.56
